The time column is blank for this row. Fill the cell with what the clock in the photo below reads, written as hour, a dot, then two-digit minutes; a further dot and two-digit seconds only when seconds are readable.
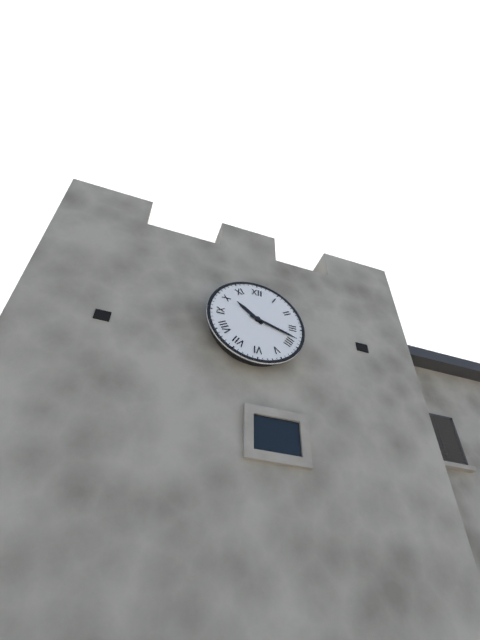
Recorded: 10.18
